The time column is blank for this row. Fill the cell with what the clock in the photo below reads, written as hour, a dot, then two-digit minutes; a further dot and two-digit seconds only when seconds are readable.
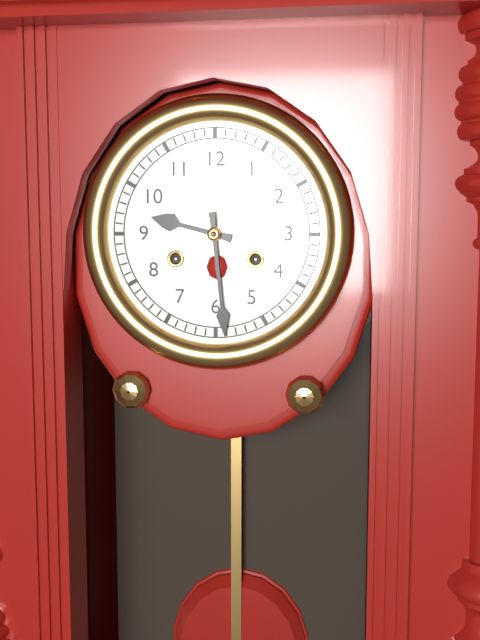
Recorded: 9.29
